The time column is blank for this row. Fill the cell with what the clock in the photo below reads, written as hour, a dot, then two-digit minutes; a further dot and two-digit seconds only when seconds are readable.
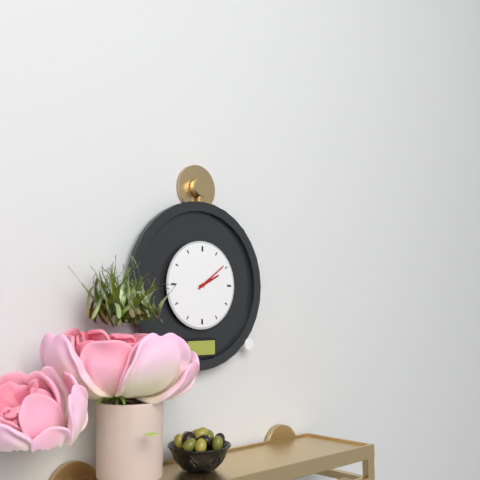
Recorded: 2.09
